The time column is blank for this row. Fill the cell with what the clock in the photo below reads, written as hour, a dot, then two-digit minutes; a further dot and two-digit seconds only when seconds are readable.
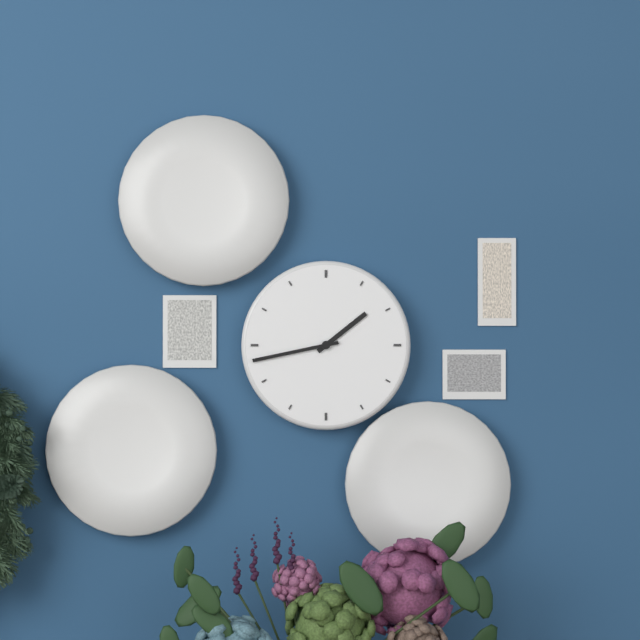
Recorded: 1.43
